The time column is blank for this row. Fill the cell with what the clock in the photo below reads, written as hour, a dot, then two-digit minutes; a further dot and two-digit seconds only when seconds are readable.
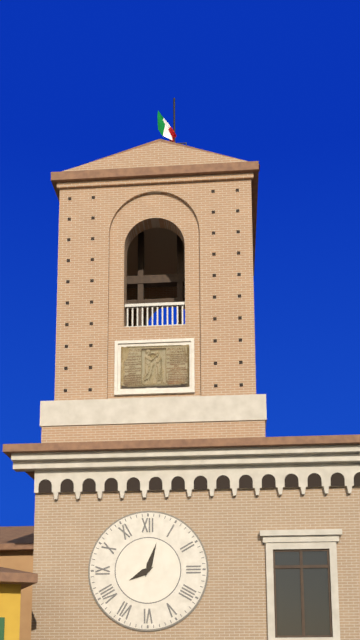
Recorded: 8.03
